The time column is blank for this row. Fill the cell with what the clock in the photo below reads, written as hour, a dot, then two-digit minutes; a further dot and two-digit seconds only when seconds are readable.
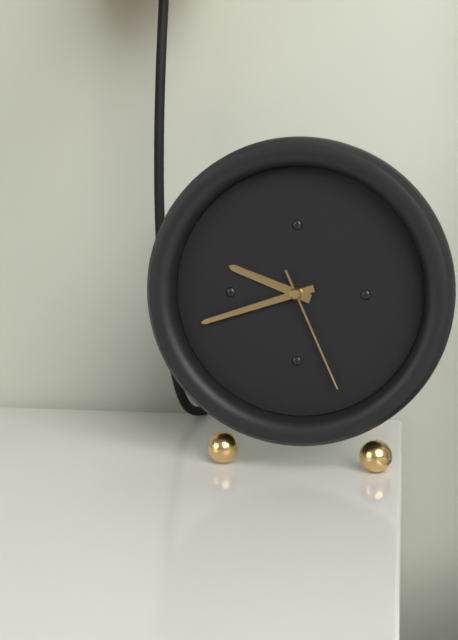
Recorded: 9.42.26
